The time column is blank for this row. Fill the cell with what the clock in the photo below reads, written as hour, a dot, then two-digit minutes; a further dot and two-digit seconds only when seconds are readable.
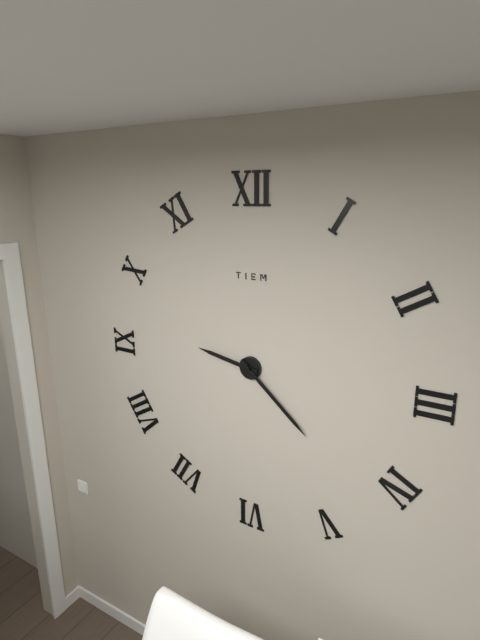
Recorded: 9.22
